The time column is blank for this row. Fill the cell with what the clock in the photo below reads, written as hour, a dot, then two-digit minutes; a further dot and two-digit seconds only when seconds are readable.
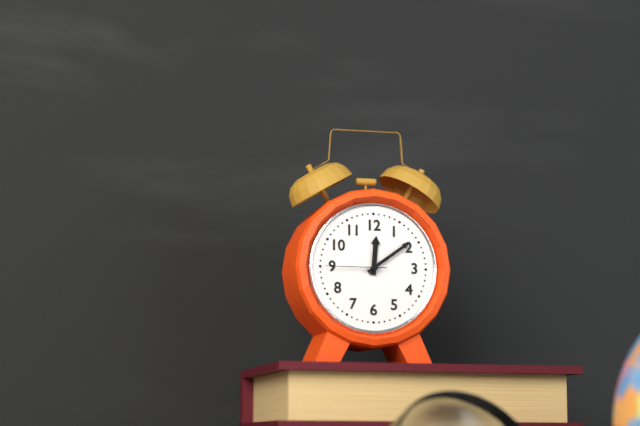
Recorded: 12.09.45
